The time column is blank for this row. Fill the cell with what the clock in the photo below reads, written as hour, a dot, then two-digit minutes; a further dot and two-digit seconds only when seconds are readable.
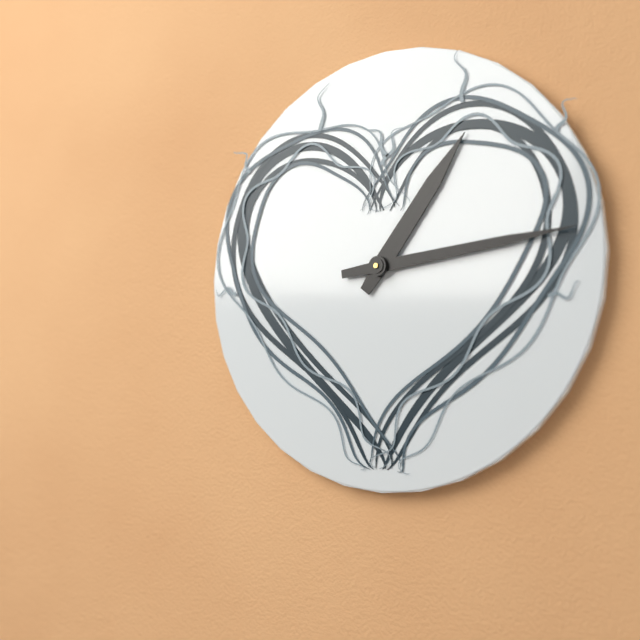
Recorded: 1.14
